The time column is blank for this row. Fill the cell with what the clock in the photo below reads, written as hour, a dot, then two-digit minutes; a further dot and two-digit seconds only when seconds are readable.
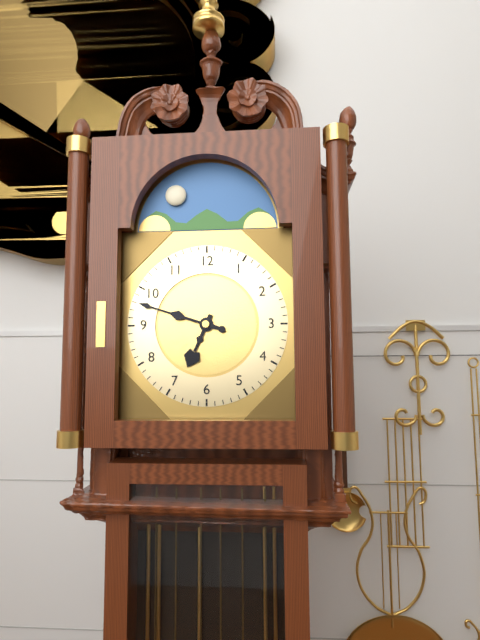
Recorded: 6.48
